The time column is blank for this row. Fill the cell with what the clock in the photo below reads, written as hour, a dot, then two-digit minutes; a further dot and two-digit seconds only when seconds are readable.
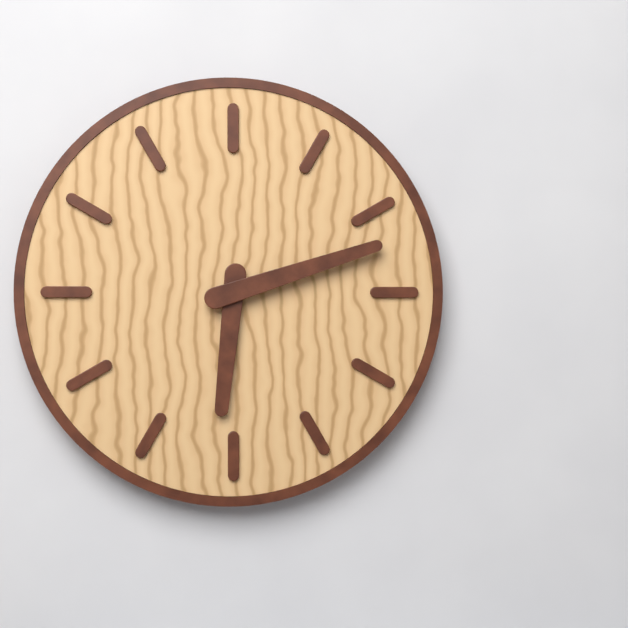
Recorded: 6.12
